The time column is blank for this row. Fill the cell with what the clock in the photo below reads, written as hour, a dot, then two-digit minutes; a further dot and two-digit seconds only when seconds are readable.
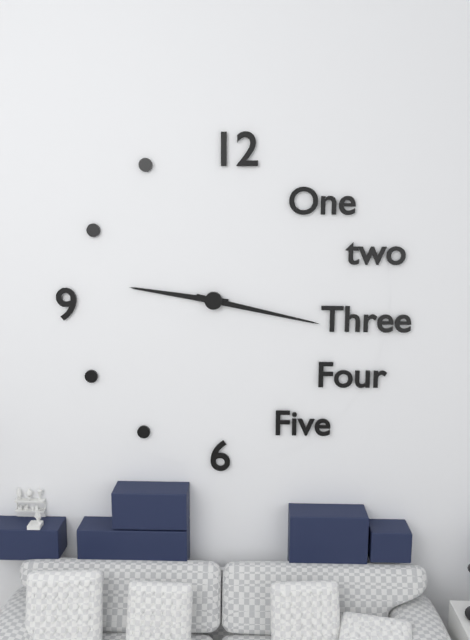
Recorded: 9.17
